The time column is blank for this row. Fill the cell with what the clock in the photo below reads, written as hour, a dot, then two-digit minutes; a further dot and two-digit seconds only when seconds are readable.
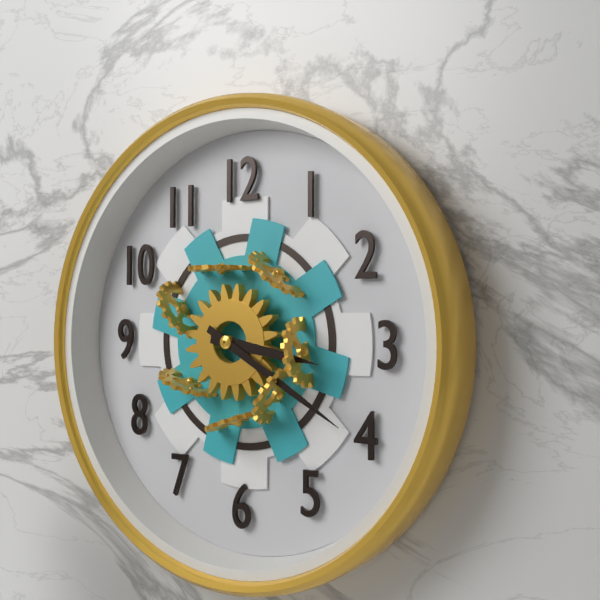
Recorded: 3.20
